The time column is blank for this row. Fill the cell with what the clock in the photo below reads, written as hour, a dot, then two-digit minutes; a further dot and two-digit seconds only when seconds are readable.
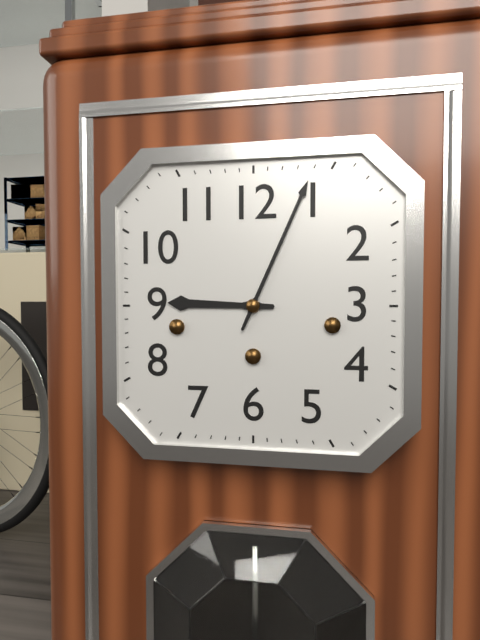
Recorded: 9.04
